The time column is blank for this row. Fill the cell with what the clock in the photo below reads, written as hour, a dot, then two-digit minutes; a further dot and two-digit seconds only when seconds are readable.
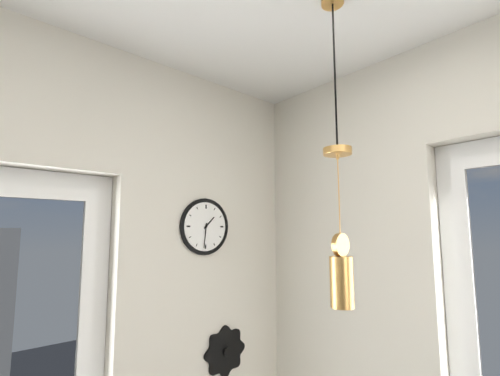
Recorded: 1.31
